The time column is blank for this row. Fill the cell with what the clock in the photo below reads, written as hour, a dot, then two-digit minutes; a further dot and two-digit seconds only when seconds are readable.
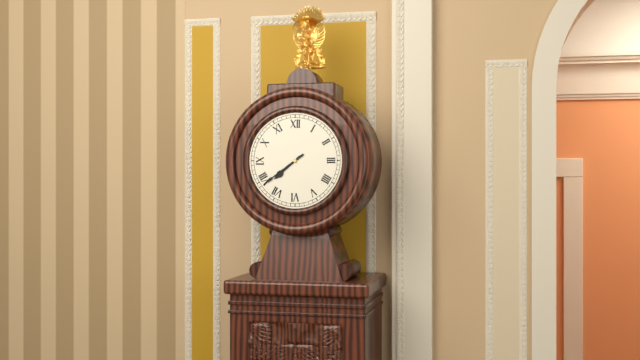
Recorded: 7.39
